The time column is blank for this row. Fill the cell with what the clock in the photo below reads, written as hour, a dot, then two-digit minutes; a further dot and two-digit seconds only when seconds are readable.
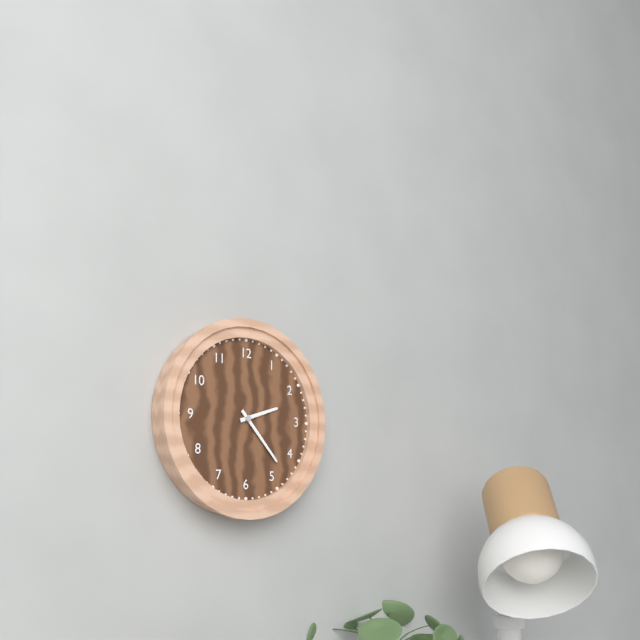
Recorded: 2.23
